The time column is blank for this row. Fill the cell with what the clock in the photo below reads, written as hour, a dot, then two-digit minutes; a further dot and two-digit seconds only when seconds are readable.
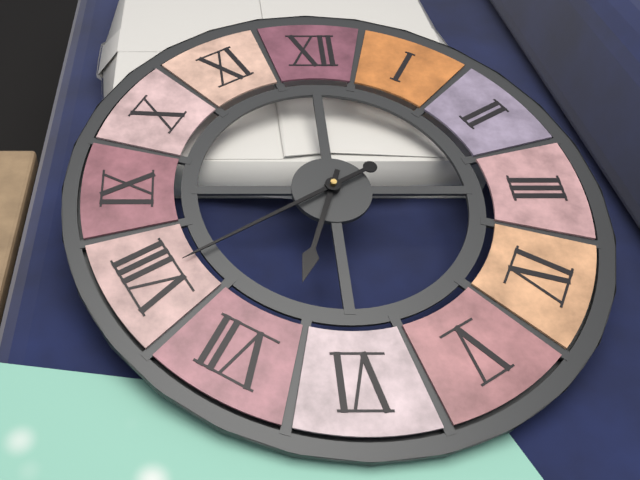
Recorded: 6.40
